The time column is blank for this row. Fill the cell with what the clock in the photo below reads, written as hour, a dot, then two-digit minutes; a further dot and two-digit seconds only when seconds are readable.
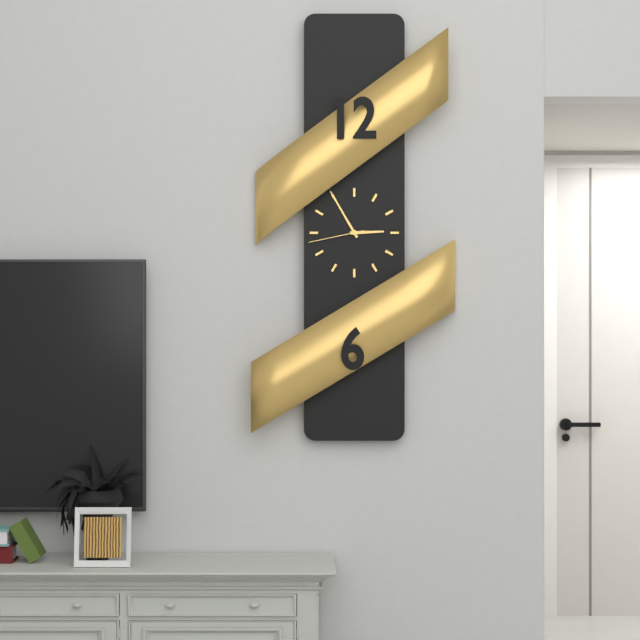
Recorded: 2.55.43
